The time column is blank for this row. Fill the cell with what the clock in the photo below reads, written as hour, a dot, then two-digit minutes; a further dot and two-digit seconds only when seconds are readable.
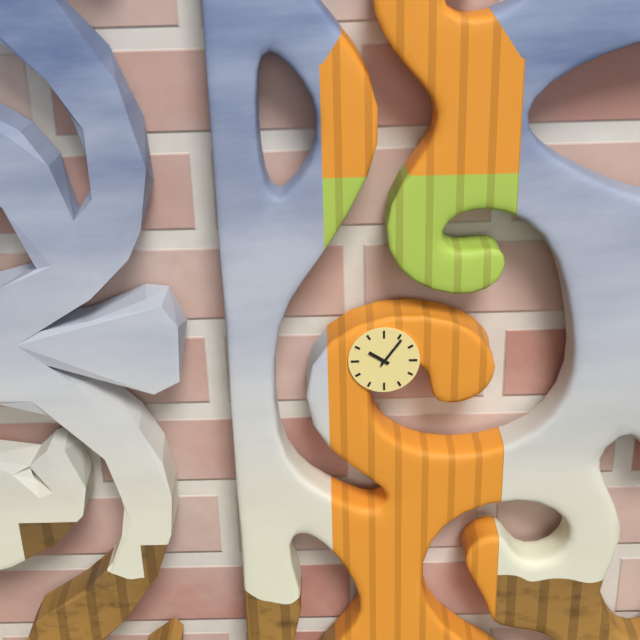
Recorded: 10.06
